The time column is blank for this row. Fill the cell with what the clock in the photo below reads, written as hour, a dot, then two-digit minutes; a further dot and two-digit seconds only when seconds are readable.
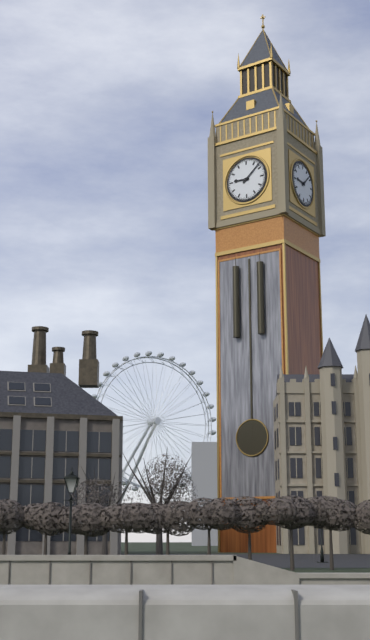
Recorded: 9.08
